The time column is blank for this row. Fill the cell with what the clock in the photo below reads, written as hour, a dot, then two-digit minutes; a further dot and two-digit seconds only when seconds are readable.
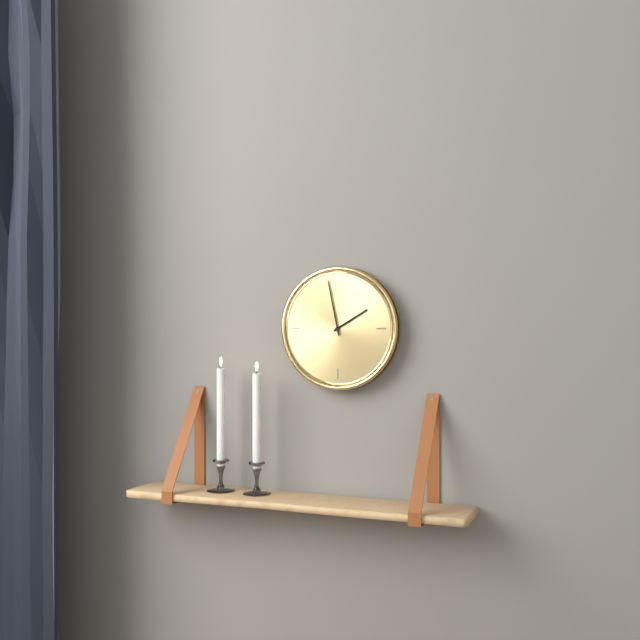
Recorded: 1.58
